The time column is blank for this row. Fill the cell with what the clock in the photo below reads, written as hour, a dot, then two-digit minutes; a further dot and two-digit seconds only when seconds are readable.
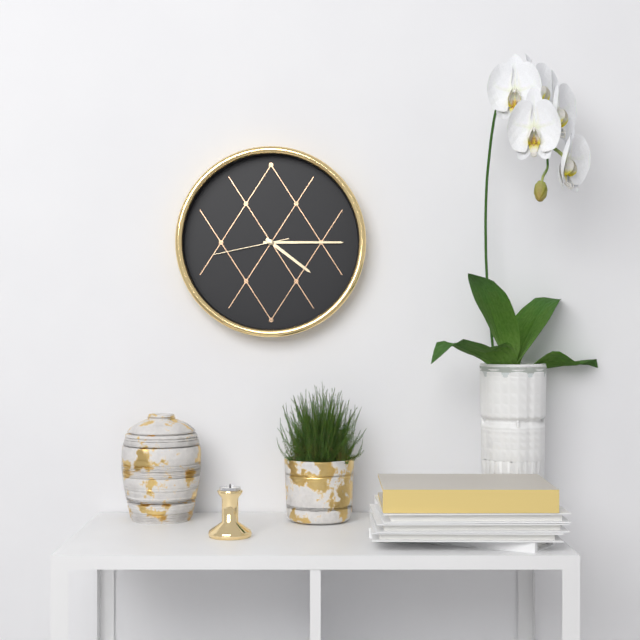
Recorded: 4.15.43
